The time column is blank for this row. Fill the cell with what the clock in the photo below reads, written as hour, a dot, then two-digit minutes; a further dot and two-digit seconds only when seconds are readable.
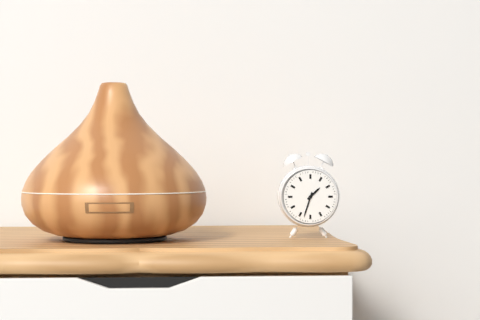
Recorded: 1.33
